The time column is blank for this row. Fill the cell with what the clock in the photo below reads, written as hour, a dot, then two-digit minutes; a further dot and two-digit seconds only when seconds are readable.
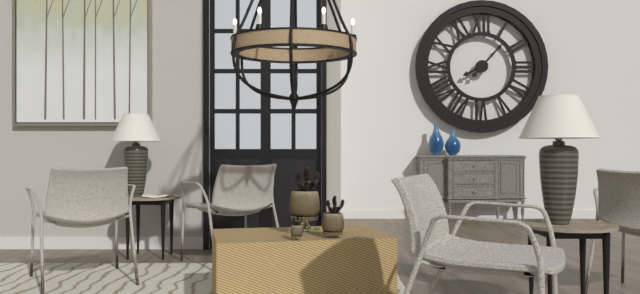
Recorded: 8.07
